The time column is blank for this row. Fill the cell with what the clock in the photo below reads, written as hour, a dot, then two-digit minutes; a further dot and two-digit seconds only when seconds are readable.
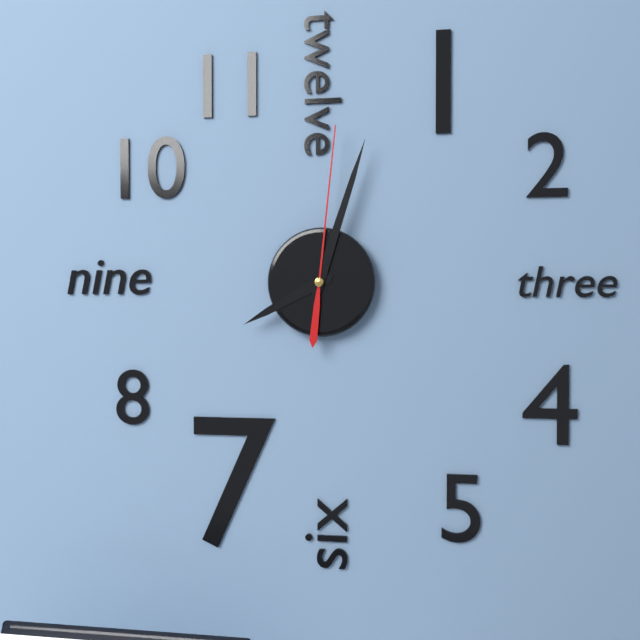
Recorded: 8.03.01
